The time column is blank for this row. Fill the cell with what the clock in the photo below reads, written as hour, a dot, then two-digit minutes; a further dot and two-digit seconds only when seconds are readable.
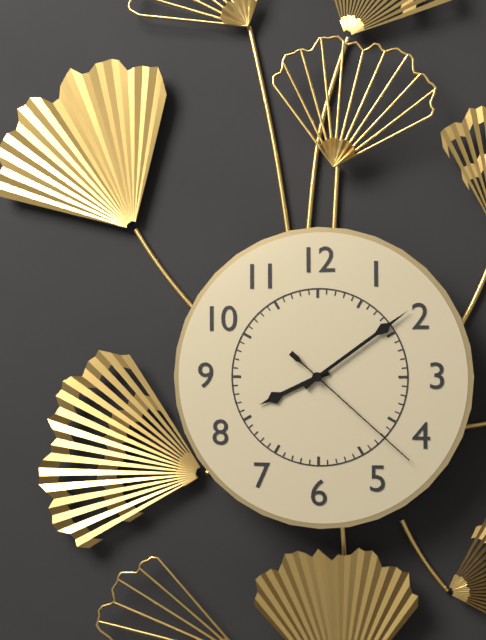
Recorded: 8.09.22
